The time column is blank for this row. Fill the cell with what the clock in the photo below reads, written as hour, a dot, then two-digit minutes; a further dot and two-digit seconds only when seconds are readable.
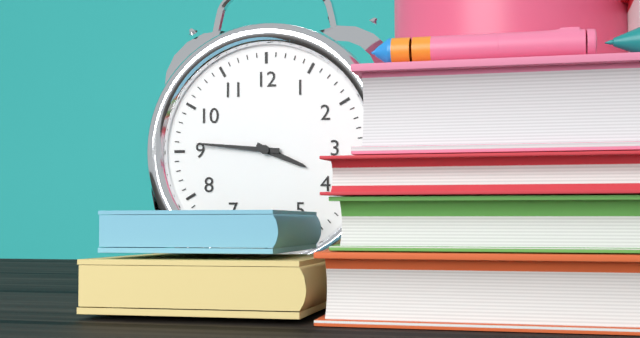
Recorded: 3.46
